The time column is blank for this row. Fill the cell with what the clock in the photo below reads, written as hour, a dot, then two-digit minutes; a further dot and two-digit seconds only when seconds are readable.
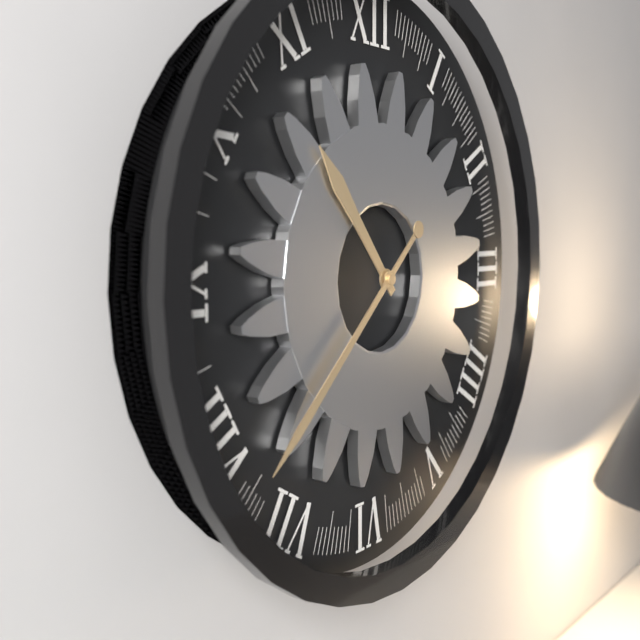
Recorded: 10.38
